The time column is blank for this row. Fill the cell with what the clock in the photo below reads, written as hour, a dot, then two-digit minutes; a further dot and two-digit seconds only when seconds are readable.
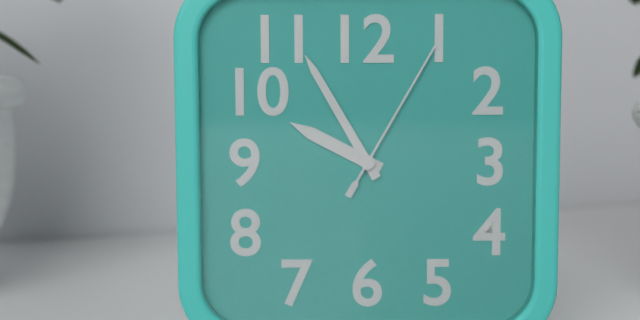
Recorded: 9.55.05
